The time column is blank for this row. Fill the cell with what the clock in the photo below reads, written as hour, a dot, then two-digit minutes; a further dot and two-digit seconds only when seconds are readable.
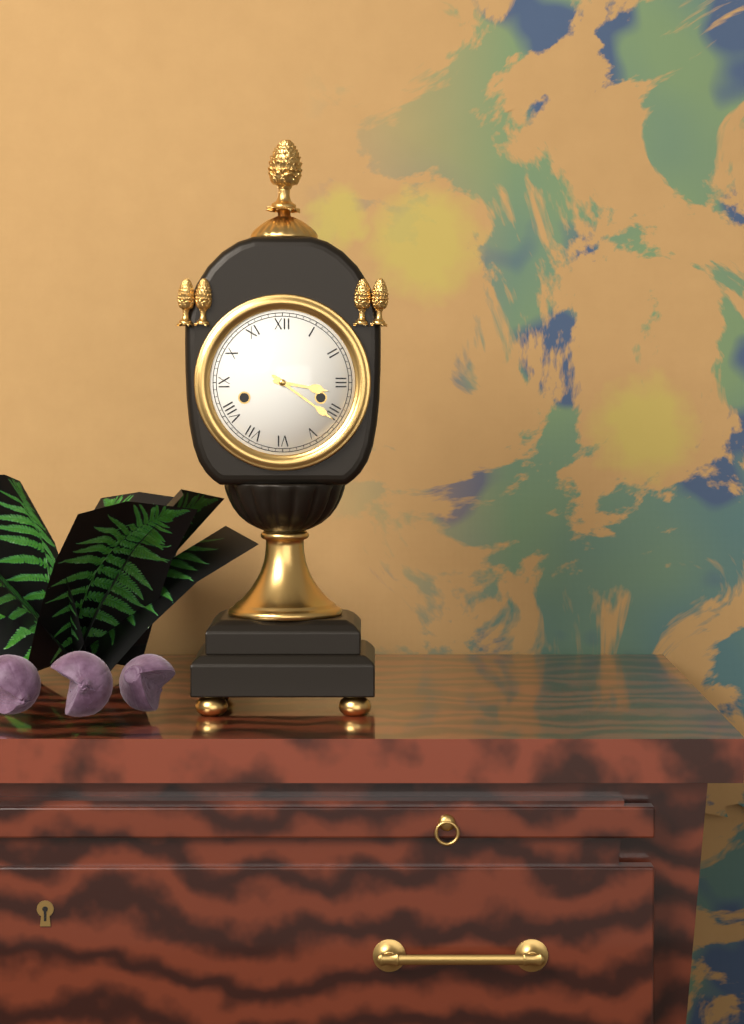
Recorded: 3.21
